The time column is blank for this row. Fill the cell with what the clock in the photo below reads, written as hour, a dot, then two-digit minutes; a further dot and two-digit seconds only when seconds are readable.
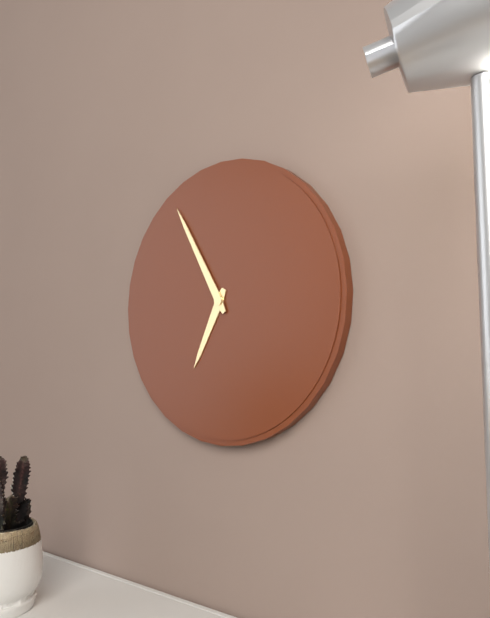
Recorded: 6.55
